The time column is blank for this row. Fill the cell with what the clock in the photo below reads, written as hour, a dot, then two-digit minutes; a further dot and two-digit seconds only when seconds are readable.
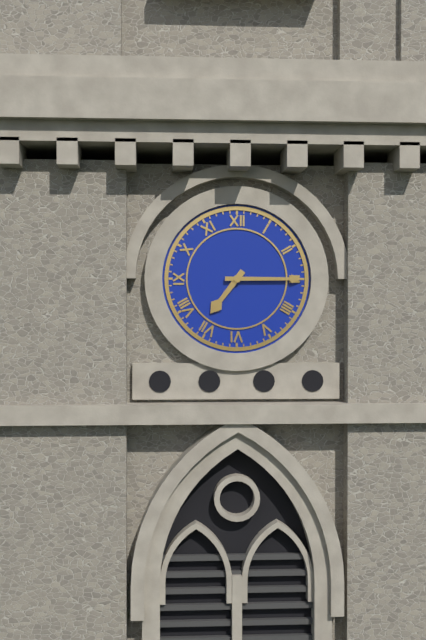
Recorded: 7.15
